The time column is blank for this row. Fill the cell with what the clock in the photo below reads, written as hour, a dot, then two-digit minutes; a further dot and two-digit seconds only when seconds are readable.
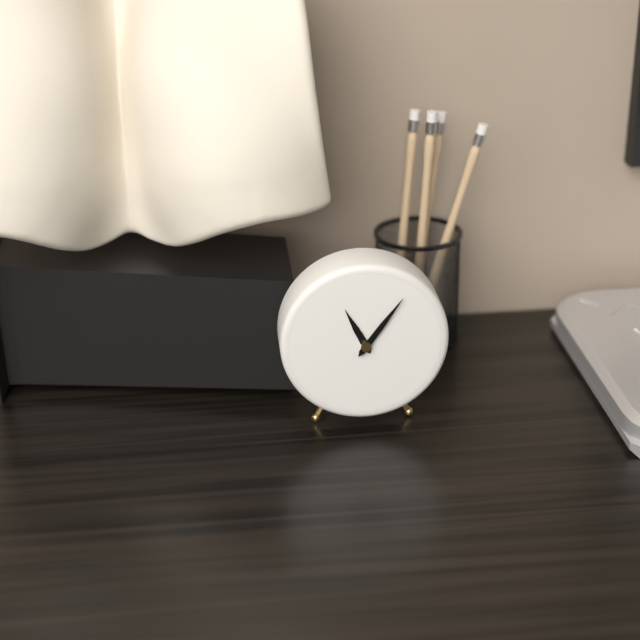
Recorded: 11.06
